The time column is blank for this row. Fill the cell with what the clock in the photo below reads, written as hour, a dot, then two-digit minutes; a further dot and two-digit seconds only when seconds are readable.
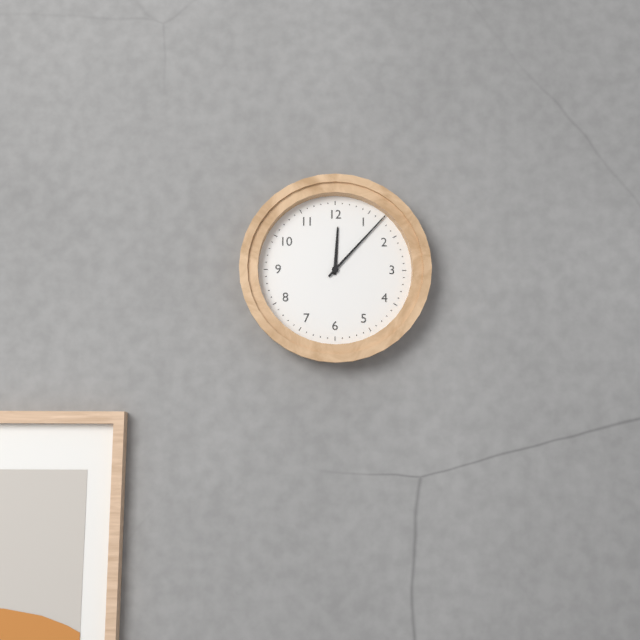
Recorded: 12.07
